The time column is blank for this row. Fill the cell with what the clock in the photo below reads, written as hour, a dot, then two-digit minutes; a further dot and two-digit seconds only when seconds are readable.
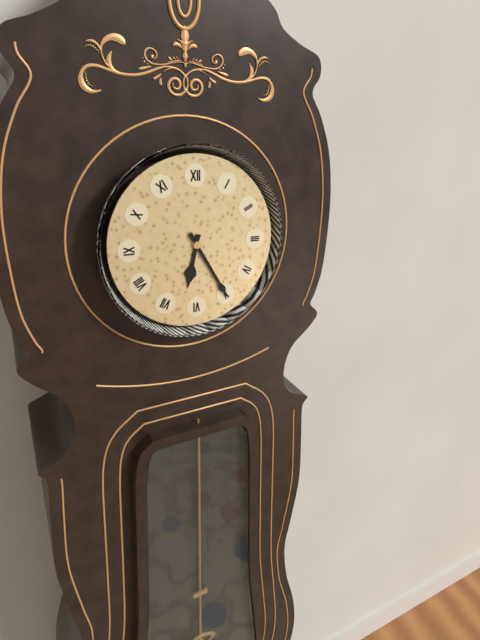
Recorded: 6.25
